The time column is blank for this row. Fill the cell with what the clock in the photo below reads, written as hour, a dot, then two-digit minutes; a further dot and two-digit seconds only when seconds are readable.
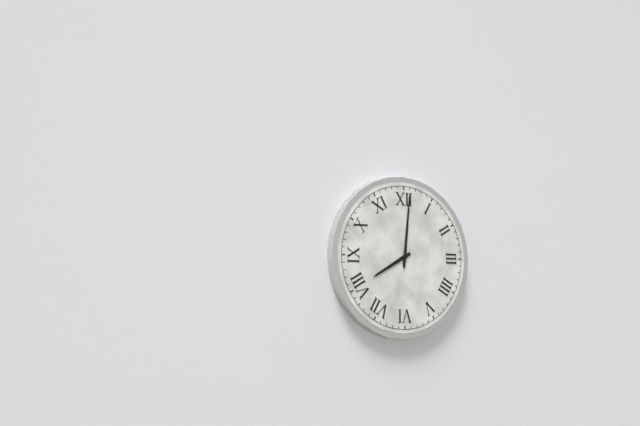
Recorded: 8.01
